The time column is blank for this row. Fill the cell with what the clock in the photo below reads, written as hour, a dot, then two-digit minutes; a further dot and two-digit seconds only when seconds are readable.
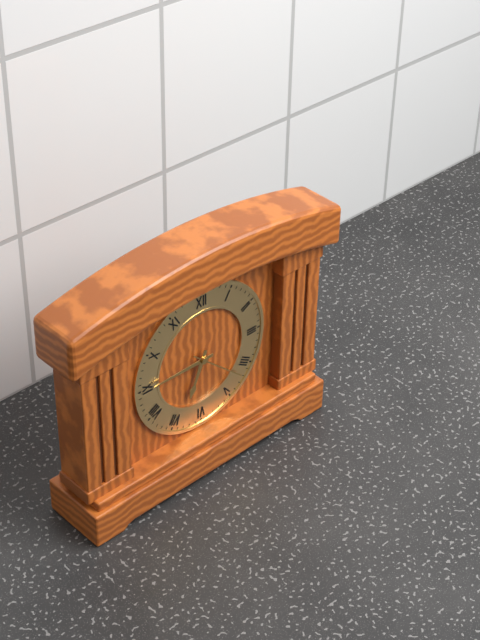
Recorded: 6.45.22
